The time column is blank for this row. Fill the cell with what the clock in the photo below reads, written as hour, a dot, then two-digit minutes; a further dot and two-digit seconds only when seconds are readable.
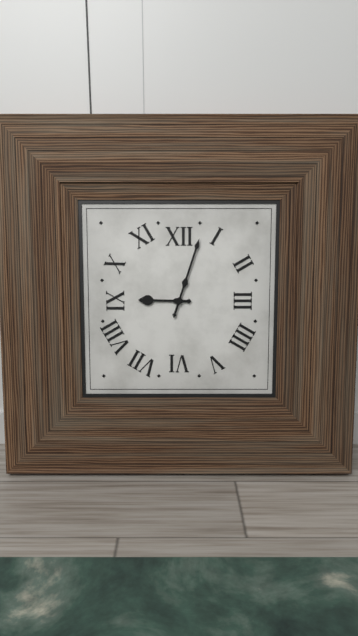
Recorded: 9.03
